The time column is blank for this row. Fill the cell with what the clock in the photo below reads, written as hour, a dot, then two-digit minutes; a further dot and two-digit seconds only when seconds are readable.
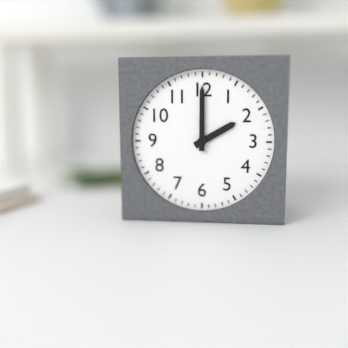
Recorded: 2.00
